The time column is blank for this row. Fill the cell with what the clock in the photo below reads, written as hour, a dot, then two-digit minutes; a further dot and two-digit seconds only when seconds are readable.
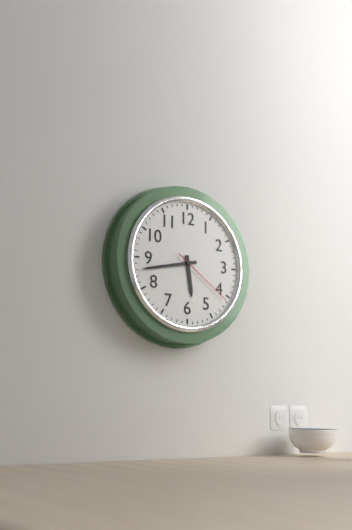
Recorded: 5.43.21
